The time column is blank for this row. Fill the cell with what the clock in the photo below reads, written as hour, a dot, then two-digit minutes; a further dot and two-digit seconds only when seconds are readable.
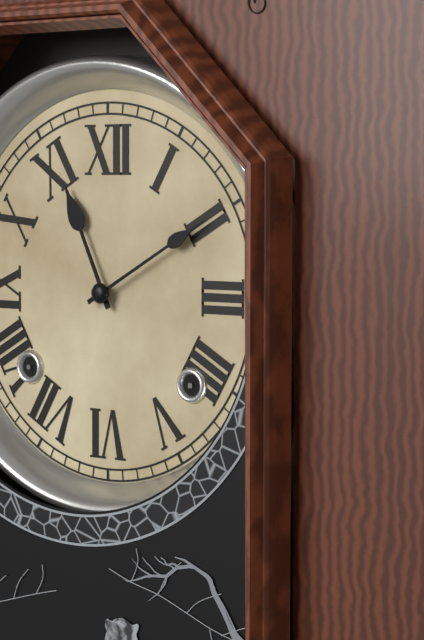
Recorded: 11.10
